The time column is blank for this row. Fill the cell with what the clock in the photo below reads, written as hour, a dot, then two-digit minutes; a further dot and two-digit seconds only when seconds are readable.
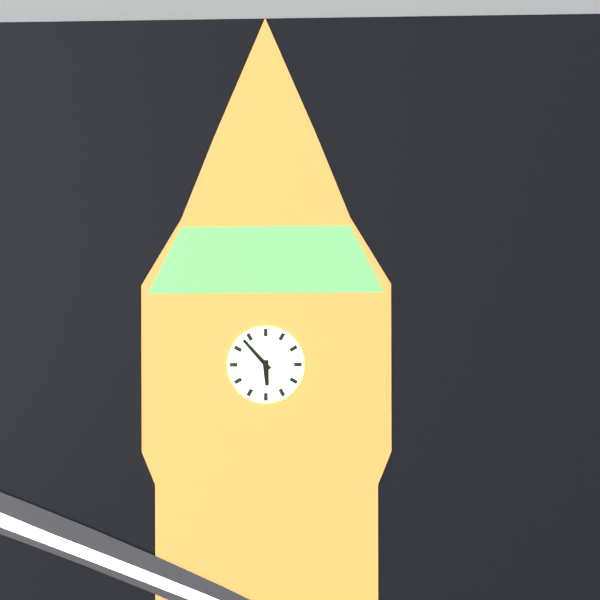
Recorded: 5.53
